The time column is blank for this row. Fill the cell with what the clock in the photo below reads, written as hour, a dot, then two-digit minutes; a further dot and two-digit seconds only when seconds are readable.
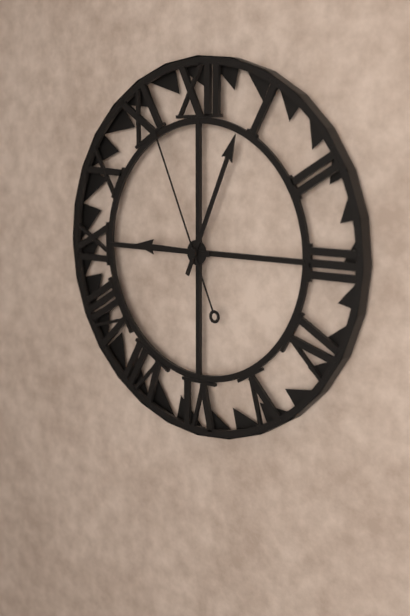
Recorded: 9.04.56
